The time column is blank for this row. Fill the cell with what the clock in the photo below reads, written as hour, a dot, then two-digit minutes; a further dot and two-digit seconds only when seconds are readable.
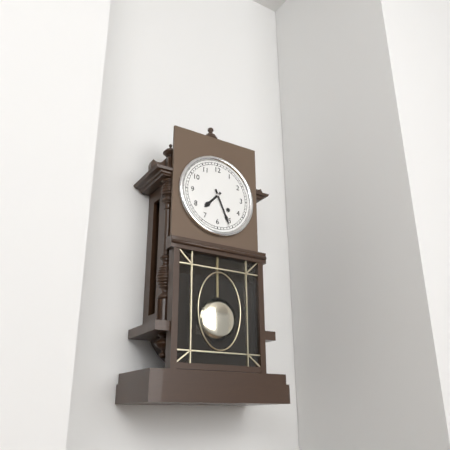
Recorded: 7.26
